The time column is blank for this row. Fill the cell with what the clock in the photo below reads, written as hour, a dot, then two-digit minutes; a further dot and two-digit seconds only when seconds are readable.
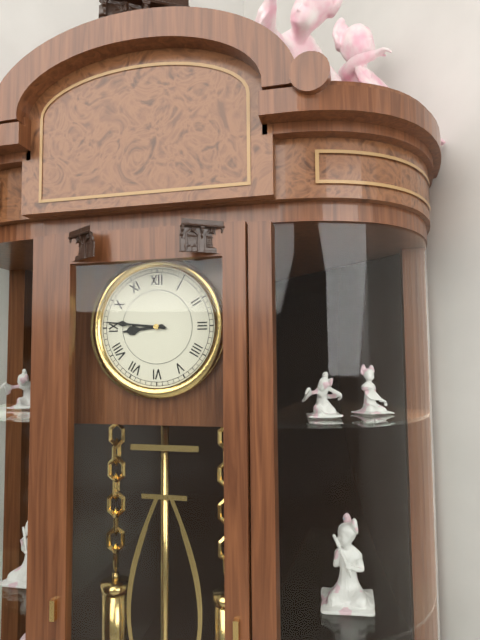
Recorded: 8.46
